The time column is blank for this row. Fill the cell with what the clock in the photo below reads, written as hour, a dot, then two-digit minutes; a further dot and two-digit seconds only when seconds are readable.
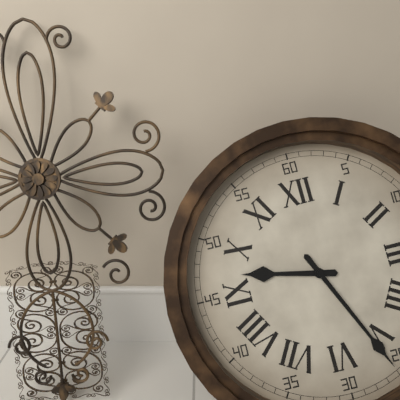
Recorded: 9.26
